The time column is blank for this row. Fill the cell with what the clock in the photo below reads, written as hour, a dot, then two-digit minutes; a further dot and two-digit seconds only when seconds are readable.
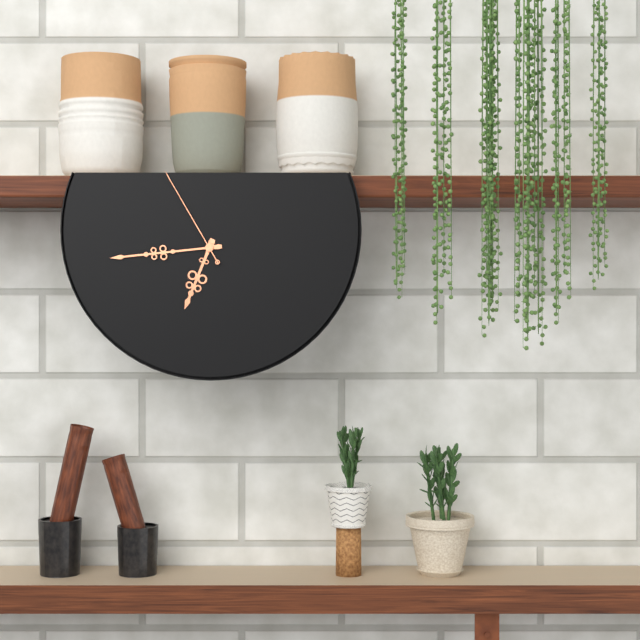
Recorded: 6.44.55
